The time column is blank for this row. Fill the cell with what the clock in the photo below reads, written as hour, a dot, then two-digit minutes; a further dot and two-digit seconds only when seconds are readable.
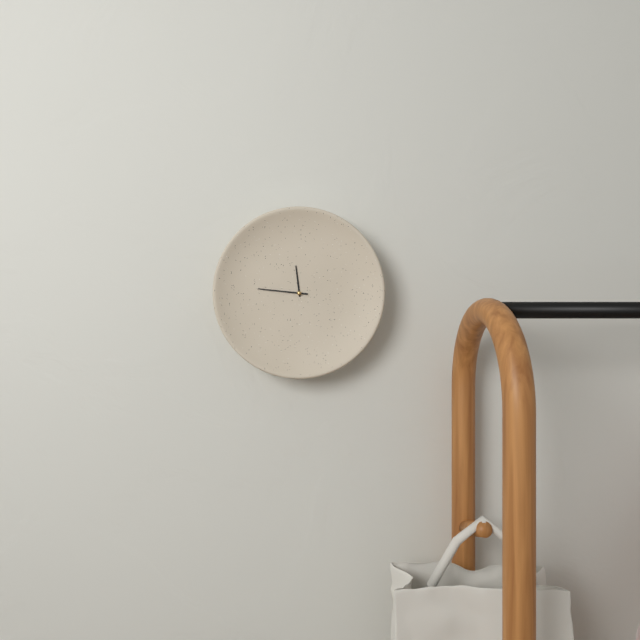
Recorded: 11.46
